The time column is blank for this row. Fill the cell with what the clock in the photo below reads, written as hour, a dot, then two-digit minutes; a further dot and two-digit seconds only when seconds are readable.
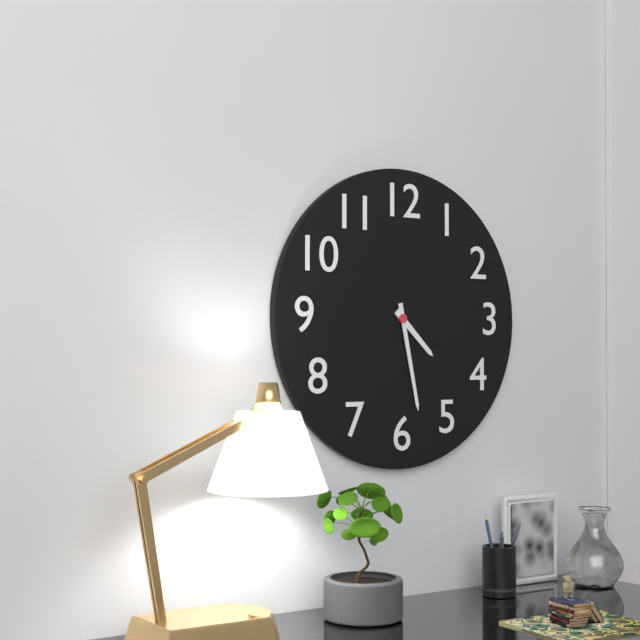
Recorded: 4.28
